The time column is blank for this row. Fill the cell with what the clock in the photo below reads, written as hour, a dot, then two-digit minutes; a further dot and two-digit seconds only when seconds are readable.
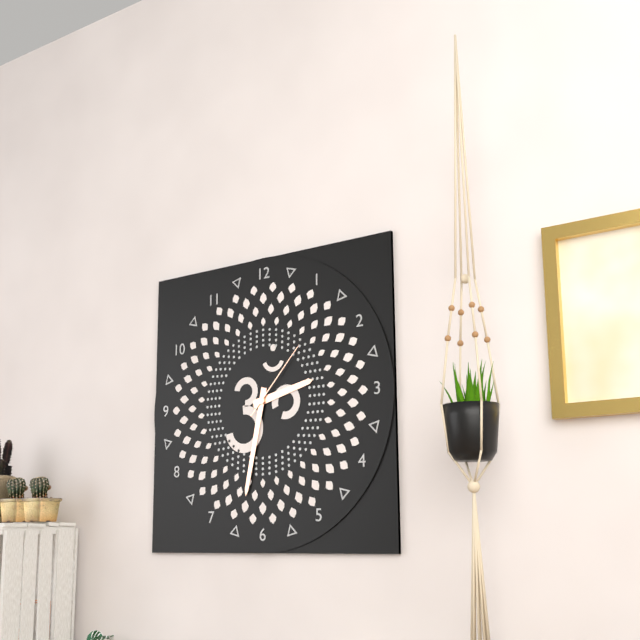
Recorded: 2.32.07
